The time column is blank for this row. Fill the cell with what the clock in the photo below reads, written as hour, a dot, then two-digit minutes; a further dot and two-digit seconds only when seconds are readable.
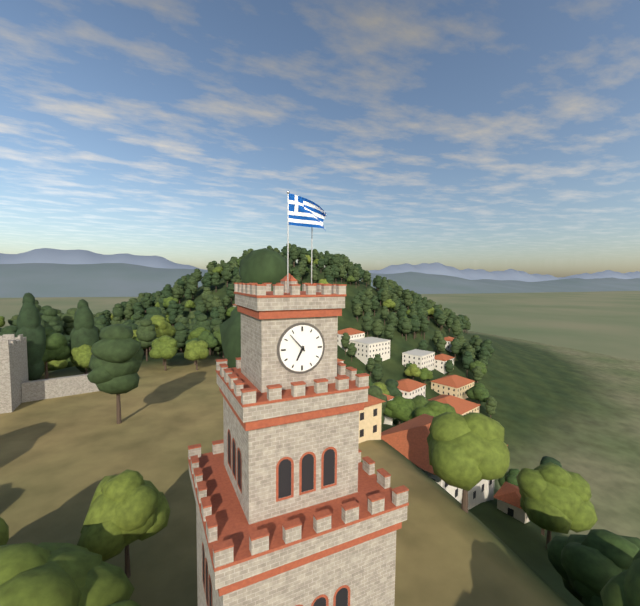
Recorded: 6.53
